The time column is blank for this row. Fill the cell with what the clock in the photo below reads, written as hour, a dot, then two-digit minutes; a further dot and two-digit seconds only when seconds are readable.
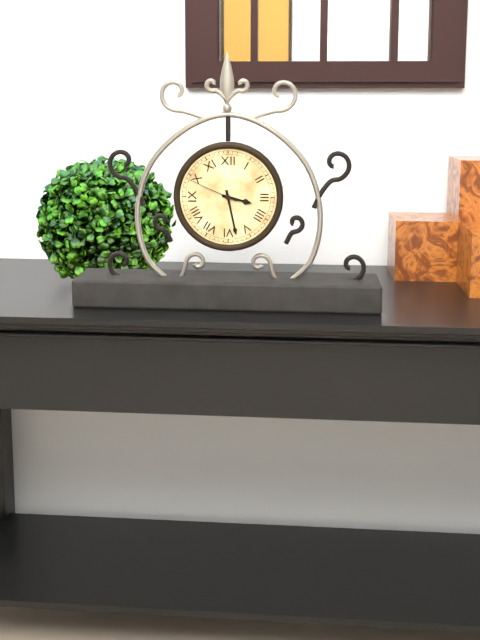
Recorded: 3.28.49
